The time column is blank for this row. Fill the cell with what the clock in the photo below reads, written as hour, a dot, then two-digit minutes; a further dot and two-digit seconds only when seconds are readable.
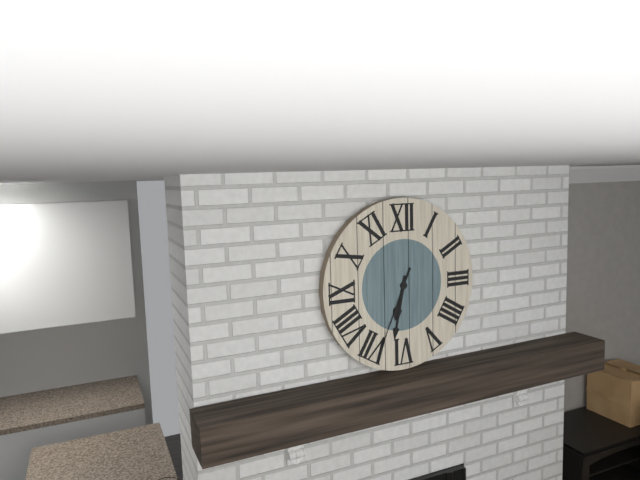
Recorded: 6.32.34
